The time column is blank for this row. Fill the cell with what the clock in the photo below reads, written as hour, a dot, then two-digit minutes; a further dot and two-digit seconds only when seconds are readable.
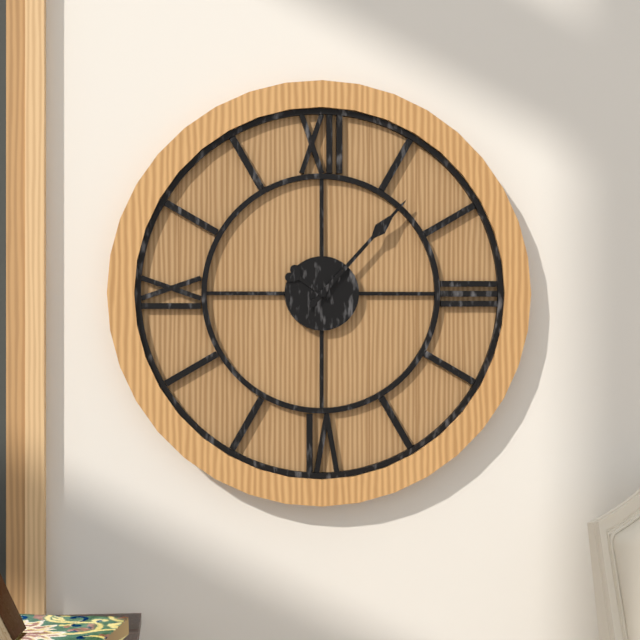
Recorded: 10.07
